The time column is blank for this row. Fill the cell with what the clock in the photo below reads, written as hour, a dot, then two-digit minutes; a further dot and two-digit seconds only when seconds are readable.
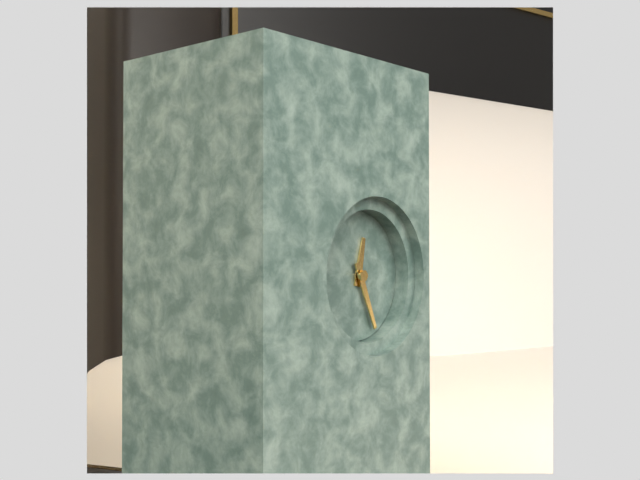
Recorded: 12.26
